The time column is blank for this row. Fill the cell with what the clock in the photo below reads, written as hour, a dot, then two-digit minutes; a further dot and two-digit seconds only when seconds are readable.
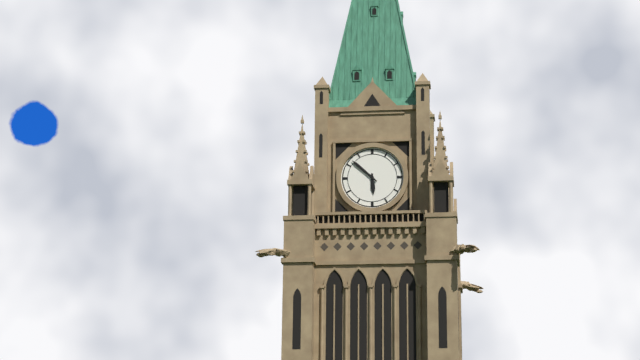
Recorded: 5.52
